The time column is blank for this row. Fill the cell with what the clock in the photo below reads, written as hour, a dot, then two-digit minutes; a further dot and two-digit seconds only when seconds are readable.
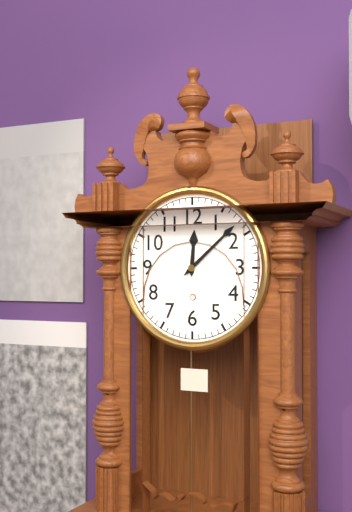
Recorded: 12.08
